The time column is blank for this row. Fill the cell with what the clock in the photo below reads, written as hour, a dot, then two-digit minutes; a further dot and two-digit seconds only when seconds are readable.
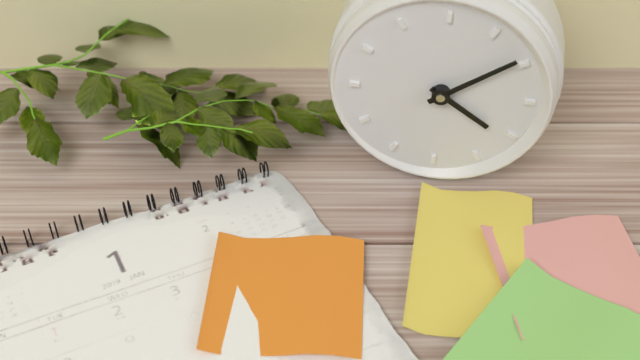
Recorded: 4.09
